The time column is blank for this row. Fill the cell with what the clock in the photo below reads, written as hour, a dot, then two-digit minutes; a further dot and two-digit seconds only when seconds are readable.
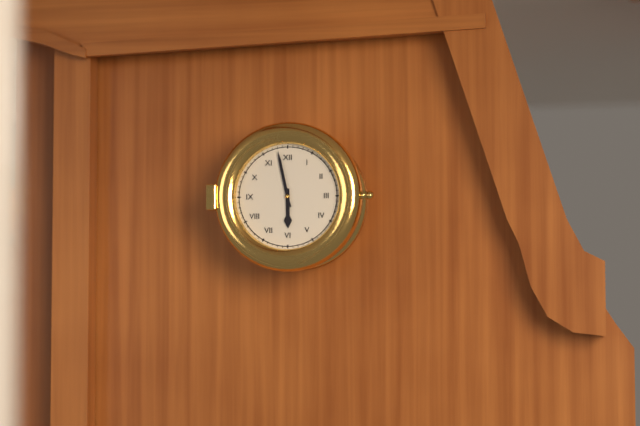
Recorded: 5.58
